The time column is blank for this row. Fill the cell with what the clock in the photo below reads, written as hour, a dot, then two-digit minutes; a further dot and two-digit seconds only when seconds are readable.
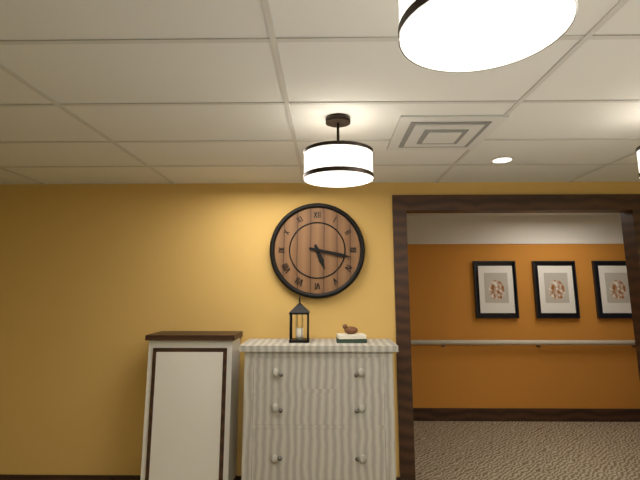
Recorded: 5.17
